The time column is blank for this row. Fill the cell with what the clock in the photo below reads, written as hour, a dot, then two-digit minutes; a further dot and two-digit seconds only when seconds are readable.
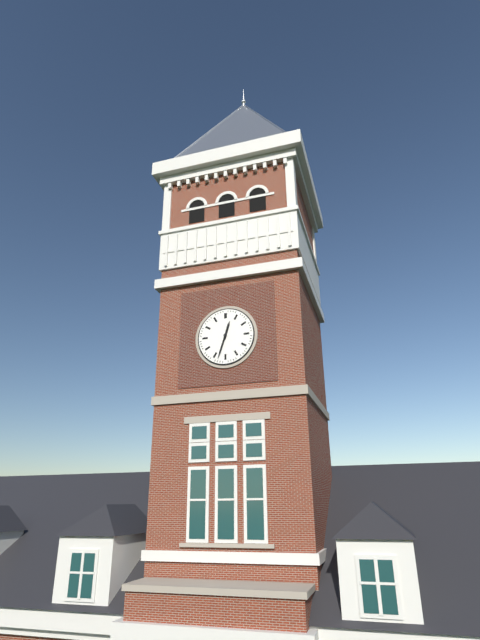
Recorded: 12.33
